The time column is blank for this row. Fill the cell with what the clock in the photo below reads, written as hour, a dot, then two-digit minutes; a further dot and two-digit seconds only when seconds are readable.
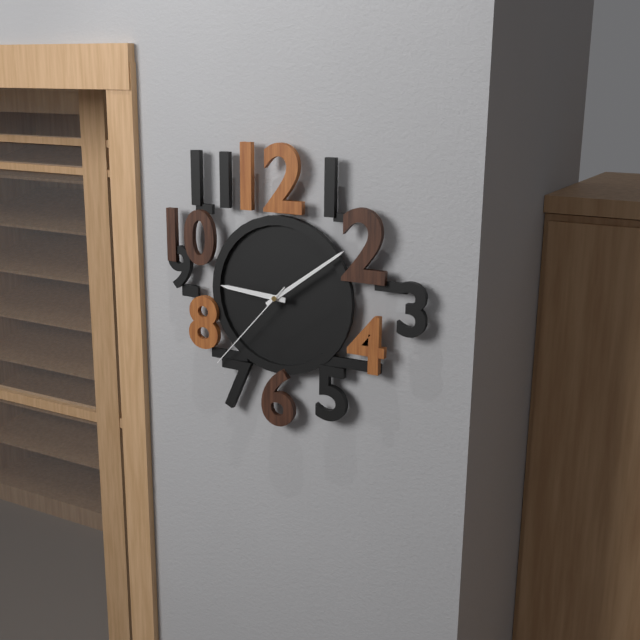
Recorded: 9.09.37
